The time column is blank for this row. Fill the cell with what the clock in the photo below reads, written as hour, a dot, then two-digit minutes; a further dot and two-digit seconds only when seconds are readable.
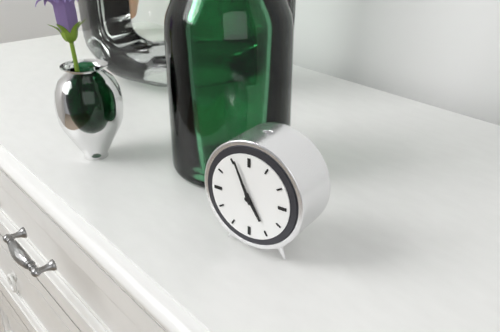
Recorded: 4.56
